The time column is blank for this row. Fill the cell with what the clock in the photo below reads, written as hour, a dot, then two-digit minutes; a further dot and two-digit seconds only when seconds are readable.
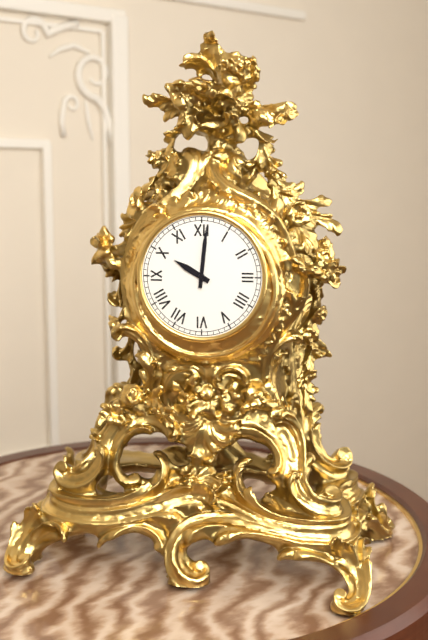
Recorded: 10.01
